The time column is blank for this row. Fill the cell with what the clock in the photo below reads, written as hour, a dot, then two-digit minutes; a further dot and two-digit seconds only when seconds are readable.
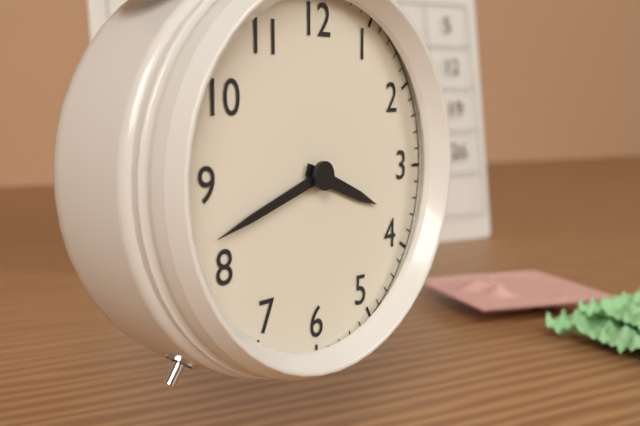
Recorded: 3.42
